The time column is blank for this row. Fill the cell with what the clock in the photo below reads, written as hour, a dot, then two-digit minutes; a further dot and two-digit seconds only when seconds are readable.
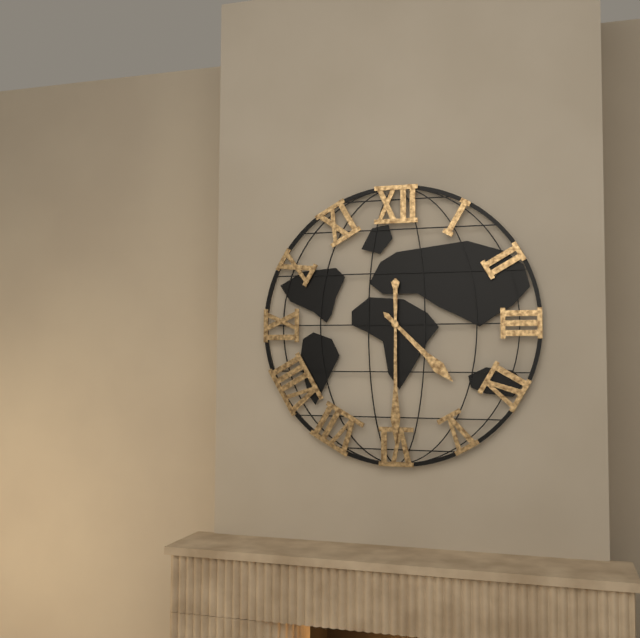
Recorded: 4.30
